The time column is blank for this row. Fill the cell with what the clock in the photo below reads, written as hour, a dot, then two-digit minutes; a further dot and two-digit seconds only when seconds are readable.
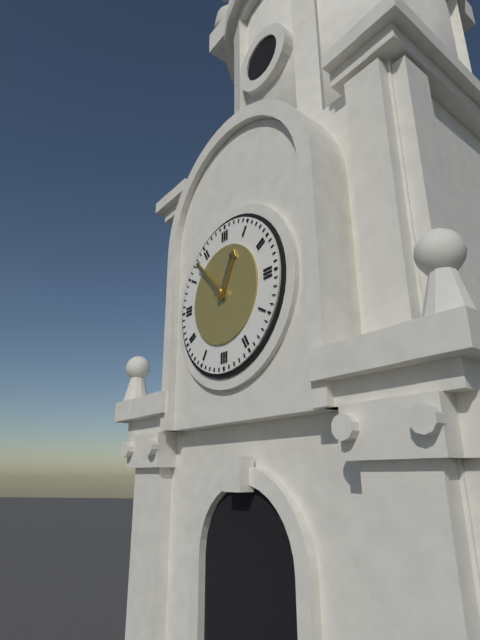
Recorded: 12.53
